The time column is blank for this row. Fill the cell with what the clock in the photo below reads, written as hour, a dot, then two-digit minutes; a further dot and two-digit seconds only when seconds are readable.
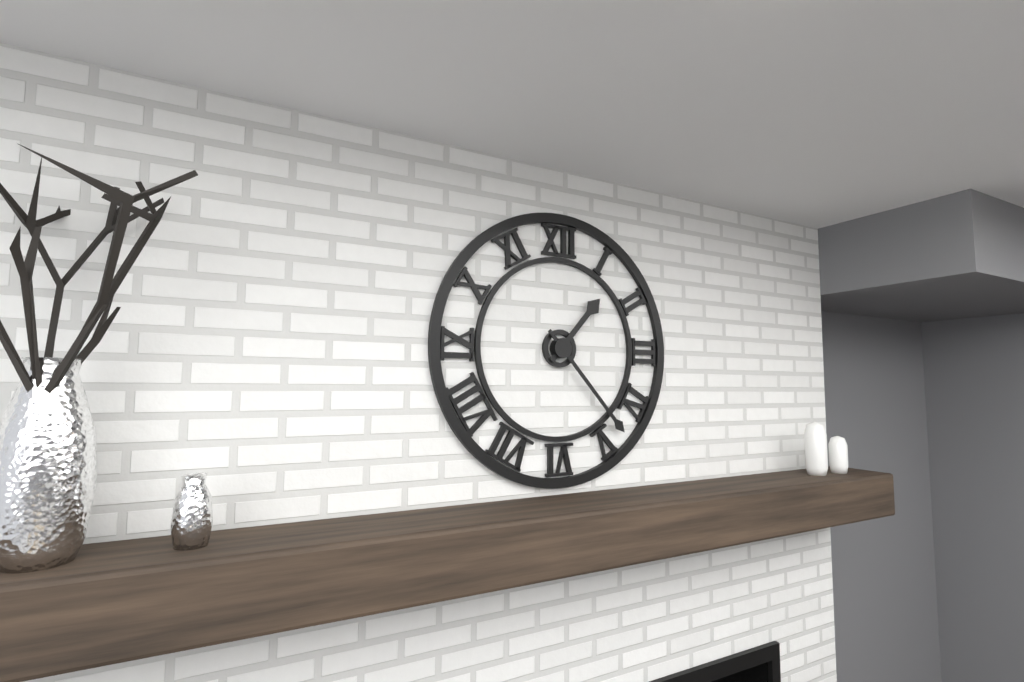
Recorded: 1.23
